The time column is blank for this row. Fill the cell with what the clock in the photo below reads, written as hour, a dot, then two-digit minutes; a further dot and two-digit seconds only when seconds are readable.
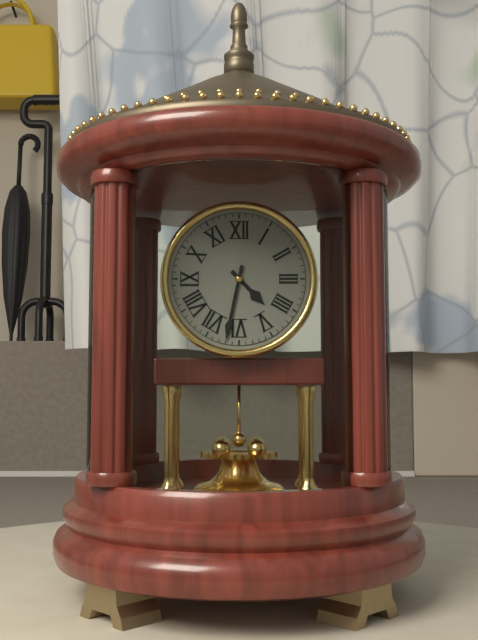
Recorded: 4.32
